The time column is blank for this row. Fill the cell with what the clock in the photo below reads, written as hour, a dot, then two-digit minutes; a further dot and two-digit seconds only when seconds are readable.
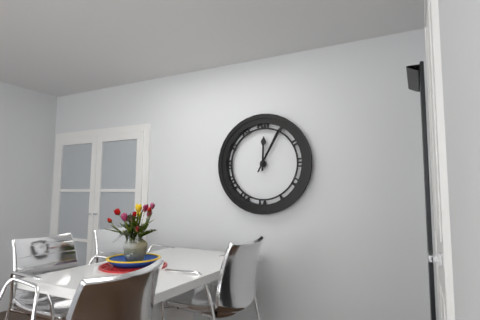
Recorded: 12.05
